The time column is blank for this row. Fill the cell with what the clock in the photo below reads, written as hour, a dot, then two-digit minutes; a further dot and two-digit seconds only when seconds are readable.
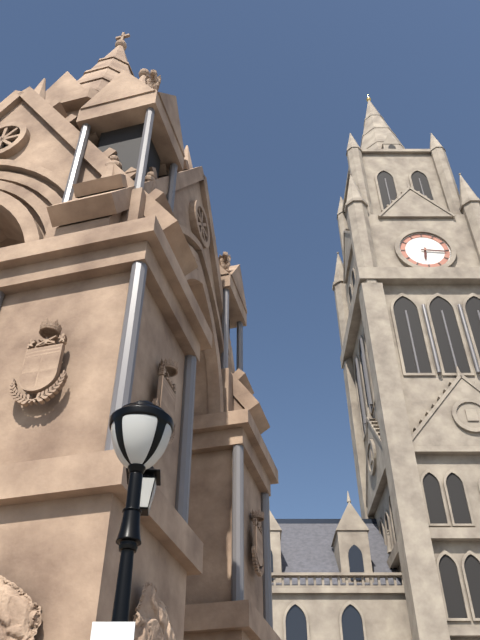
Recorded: 6.16
